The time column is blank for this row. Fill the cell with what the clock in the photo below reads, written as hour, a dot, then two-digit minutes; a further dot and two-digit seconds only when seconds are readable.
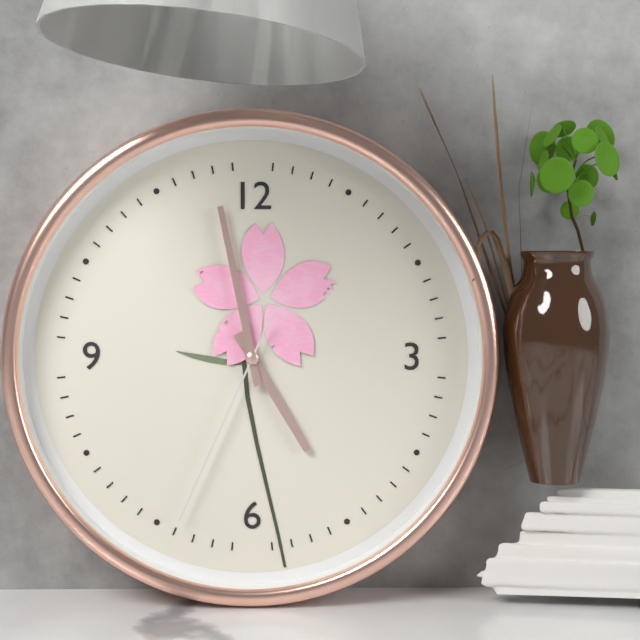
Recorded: 4.58.34
